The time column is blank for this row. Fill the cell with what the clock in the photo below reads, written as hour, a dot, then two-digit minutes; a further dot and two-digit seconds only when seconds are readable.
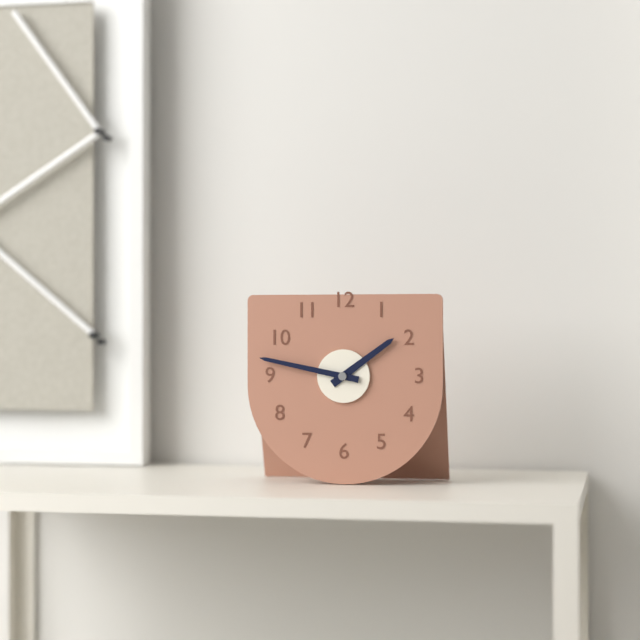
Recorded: 1.47
